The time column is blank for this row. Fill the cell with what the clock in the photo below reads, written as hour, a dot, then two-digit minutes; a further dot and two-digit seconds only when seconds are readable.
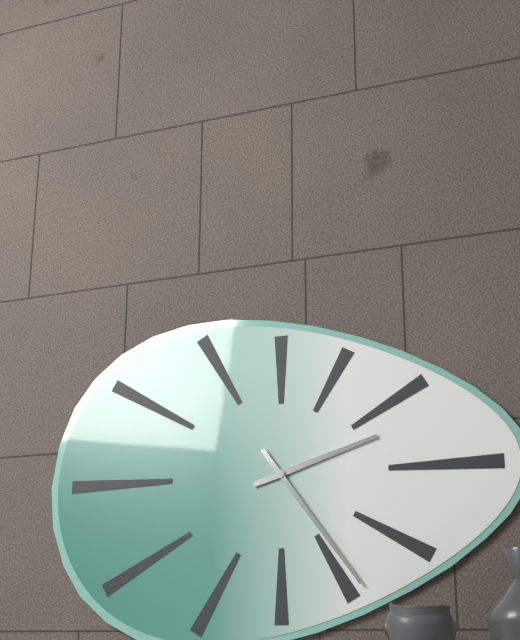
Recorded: 2.24
